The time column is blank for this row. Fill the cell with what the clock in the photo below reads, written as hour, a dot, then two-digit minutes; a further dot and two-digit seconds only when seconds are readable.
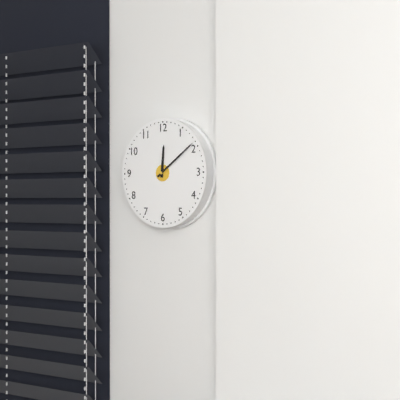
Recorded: 12.09
